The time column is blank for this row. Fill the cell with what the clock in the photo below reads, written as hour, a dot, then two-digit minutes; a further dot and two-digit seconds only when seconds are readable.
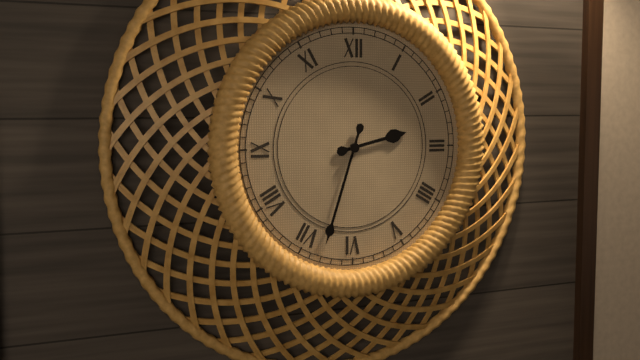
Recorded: 2.33
